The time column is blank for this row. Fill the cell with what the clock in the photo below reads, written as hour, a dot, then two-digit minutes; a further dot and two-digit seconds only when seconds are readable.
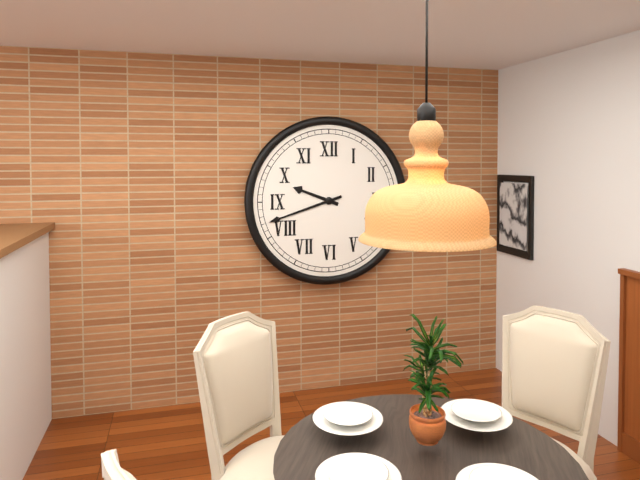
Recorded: 9.42
